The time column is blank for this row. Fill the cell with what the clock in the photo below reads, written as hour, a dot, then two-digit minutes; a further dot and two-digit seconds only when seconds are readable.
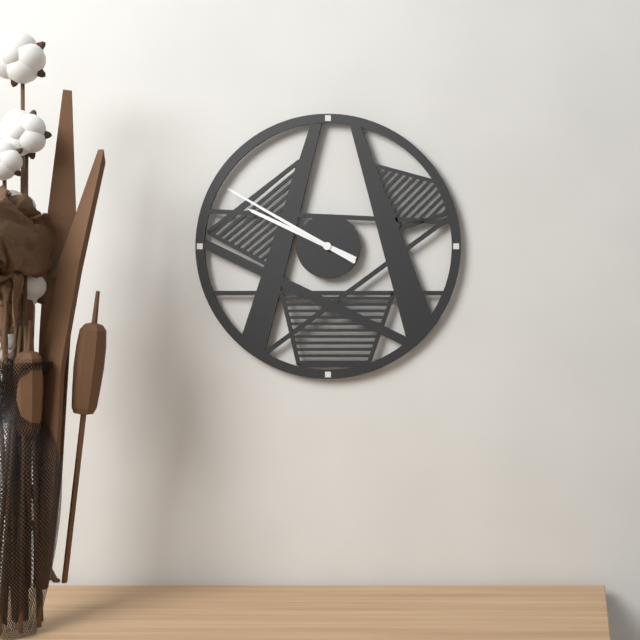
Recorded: 9.50
